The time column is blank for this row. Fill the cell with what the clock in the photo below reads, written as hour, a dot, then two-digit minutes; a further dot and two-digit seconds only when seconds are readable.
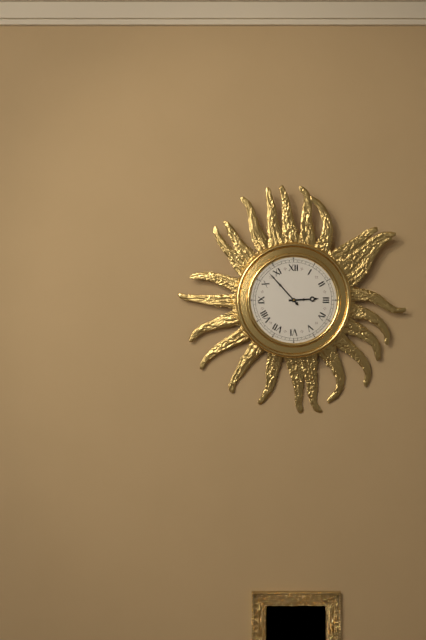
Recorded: 2.53
